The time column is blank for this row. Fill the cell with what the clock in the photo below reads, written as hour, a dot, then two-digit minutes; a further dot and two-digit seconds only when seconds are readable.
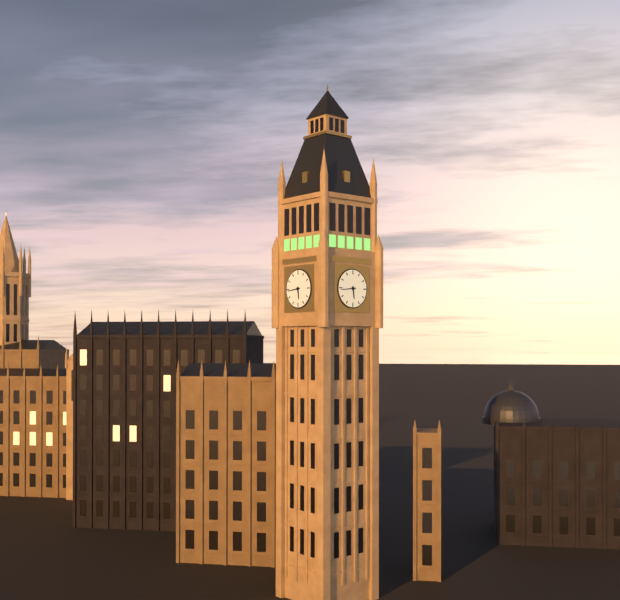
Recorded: 5.44
